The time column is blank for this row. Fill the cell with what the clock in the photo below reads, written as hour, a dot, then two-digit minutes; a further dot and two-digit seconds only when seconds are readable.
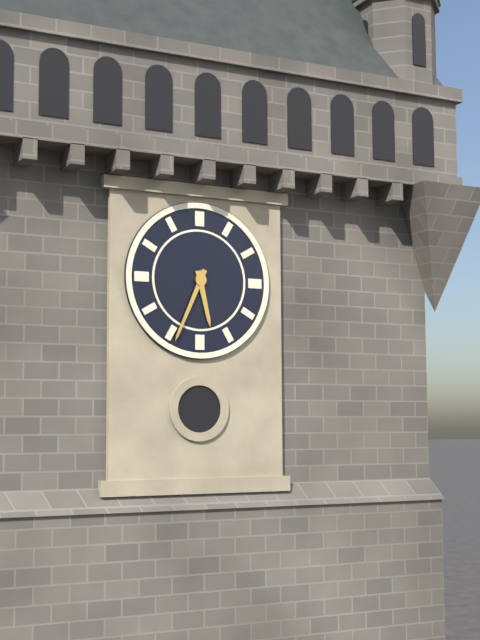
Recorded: 5.34
